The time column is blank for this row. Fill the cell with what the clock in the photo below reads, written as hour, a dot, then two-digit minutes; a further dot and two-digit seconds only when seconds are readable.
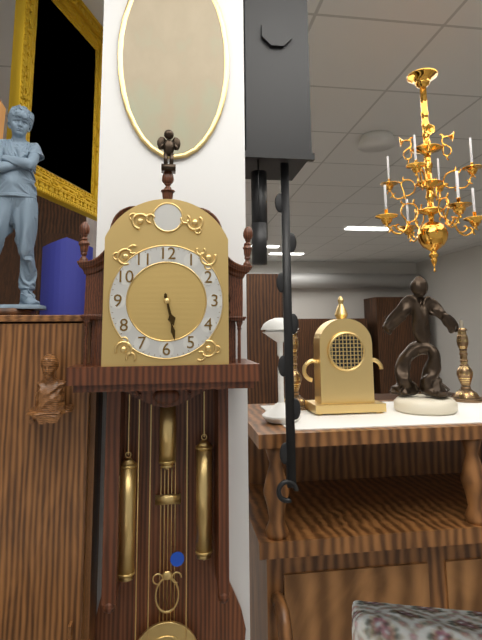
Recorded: 5.28
